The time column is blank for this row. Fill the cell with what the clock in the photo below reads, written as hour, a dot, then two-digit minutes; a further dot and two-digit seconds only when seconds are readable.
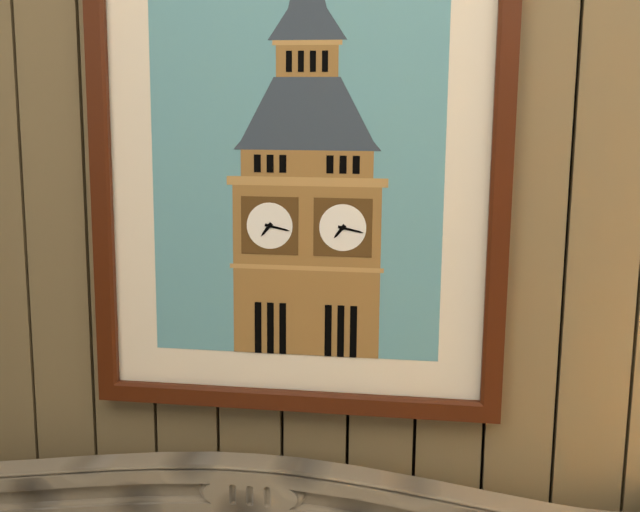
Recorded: 7.17
